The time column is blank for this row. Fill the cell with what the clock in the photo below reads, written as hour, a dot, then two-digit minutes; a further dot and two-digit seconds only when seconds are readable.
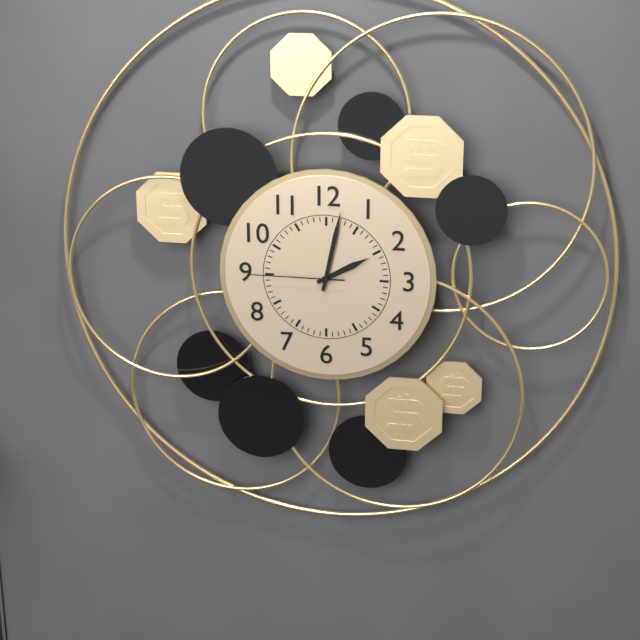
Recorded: 2.02.45
